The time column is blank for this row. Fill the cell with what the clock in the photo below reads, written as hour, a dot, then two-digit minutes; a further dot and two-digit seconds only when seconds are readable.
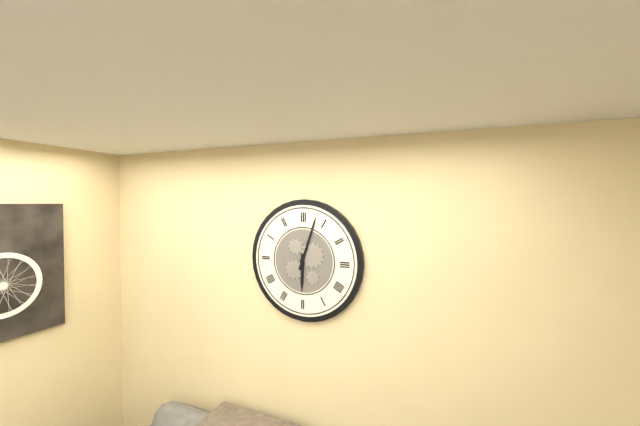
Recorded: 6.03
